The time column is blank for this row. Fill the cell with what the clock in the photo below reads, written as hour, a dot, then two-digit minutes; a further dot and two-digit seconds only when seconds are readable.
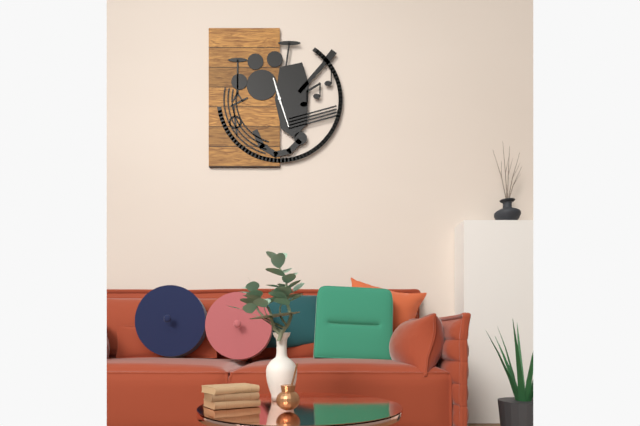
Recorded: 11.27
